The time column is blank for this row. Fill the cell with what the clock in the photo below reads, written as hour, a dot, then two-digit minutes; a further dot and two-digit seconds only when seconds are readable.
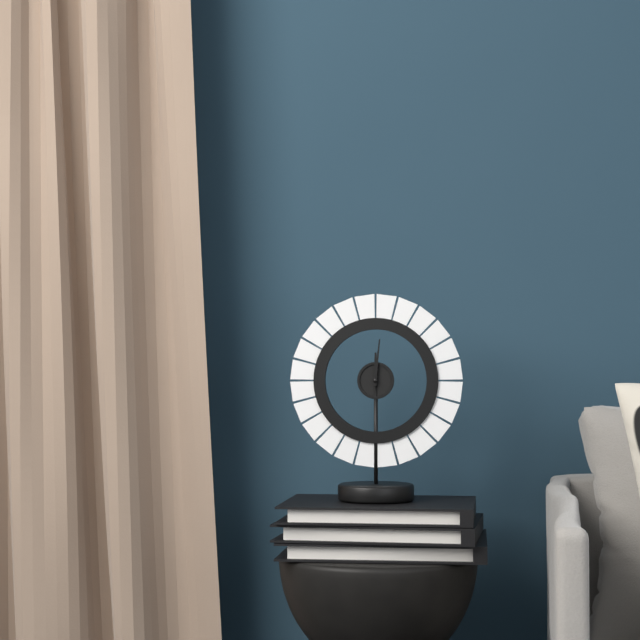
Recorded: 12.01
